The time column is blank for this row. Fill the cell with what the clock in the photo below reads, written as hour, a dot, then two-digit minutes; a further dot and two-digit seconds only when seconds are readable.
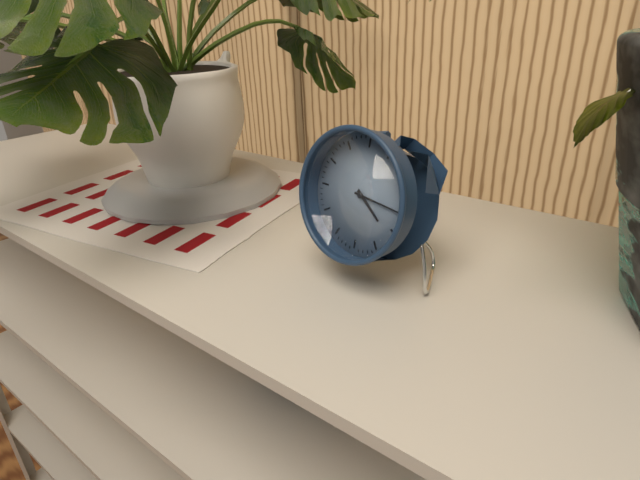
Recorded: 4.16
